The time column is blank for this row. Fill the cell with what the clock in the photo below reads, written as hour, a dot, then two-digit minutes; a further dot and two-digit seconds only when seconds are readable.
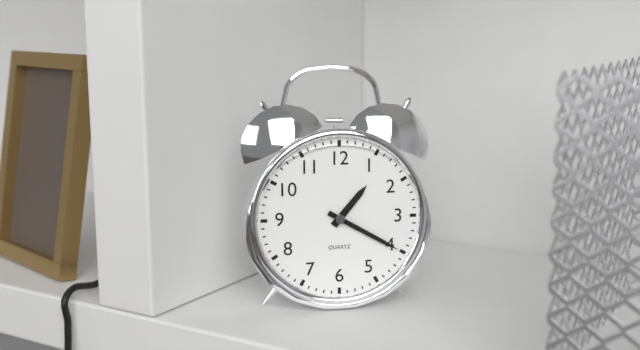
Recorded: 1.20
